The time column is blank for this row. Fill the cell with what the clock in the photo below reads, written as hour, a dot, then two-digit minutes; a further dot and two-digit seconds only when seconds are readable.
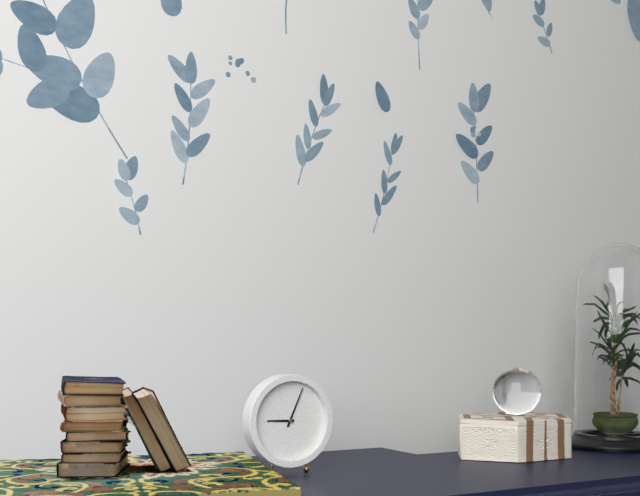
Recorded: 9.04
